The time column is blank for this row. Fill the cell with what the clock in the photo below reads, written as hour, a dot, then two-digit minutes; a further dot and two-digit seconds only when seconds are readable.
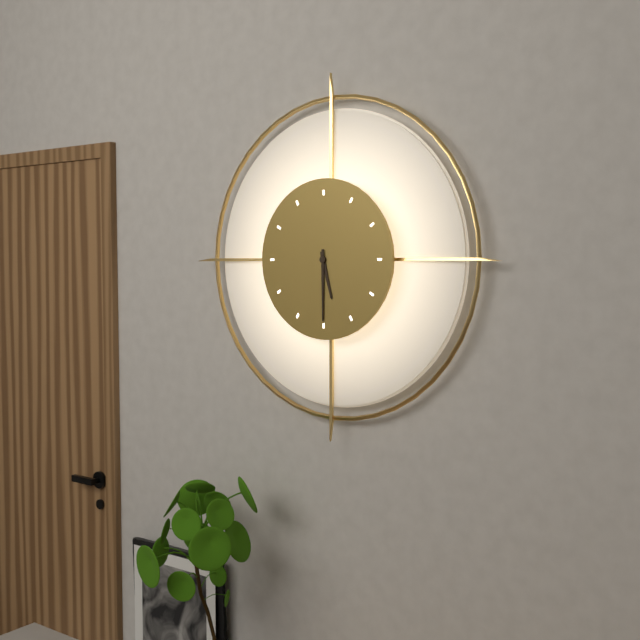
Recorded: 5.30
